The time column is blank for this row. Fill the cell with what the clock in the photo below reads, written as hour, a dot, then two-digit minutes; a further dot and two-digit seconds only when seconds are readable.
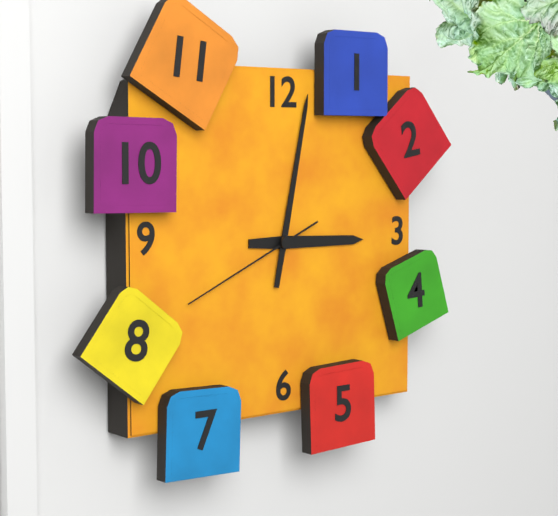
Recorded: 3.02.41
